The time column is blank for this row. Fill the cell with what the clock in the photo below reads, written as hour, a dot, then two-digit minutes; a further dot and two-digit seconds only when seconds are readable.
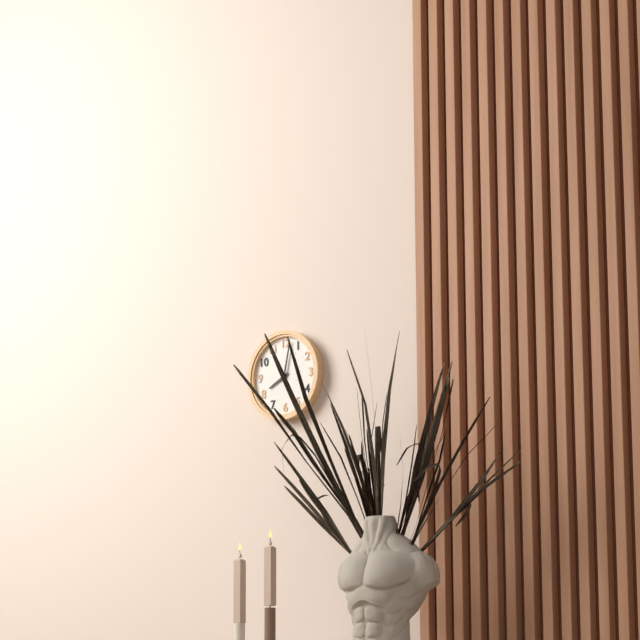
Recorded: 8.02
